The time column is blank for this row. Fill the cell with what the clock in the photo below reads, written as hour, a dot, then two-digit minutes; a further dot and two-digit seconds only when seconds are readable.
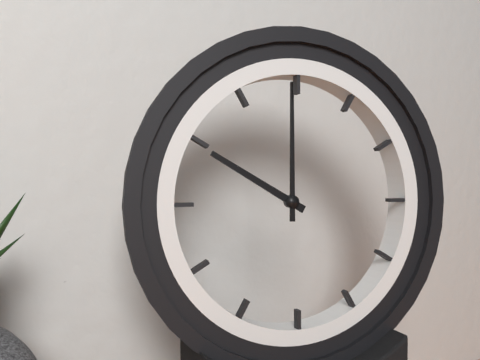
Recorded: 10.00
